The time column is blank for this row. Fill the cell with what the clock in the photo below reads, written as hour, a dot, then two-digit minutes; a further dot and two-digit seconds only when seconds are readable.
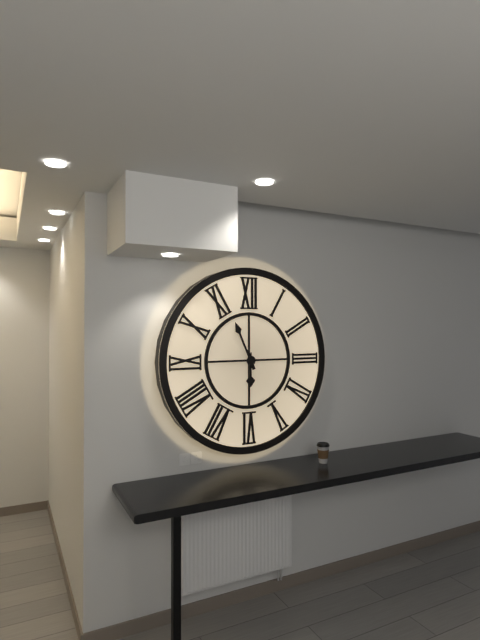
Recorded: 5.56
